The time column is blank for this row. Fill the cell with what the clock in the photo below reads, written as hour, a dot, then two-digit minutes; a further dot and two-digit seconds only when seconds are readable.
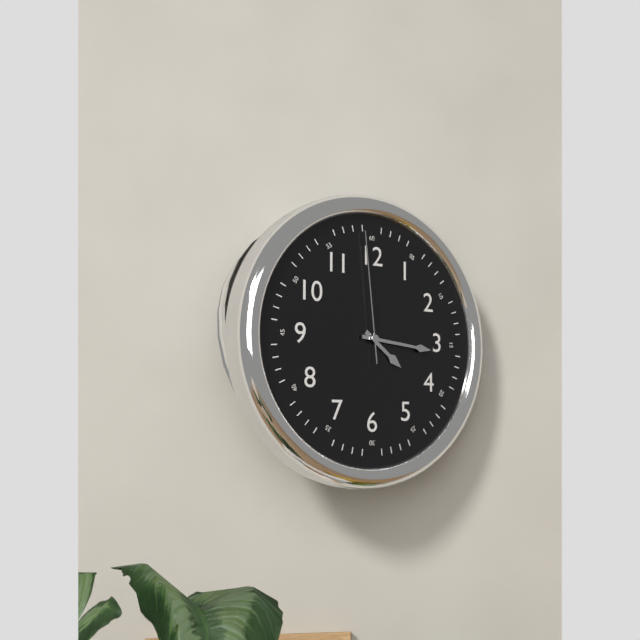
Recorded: 4.16.59
